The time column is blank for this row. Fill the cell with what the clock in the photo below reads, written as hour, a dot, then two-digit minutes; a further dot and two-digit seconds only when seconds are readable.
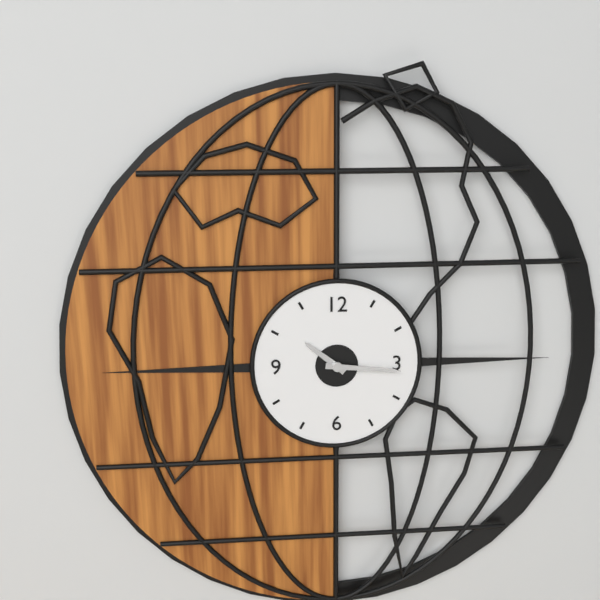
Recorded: 10.16
